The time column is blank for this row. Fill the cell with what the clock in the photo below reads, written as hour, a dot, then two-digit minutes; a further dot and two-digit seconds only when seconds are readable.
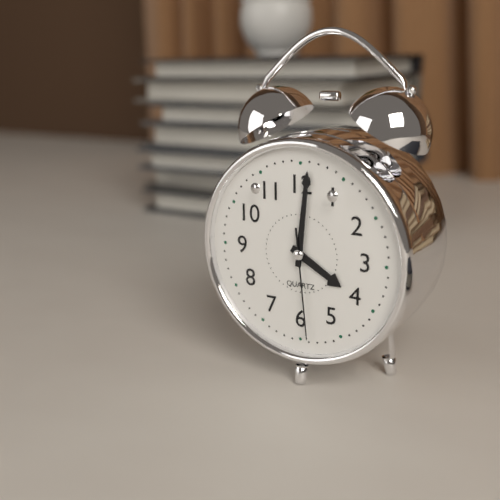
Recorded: 4.01.29
